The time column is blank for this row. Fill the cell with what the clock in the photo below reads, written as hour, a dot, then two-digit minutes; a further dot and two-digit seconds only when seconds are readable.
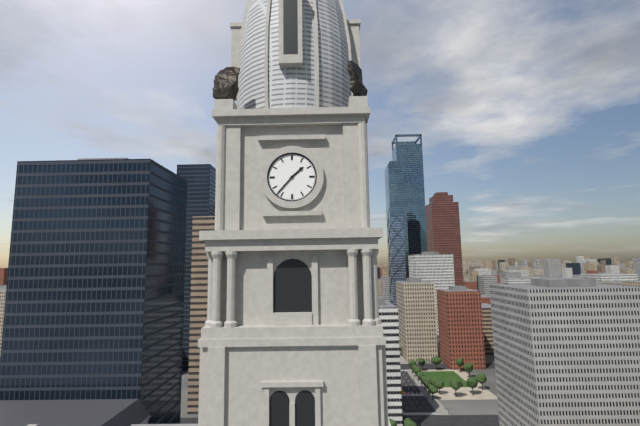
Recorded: 1.37
